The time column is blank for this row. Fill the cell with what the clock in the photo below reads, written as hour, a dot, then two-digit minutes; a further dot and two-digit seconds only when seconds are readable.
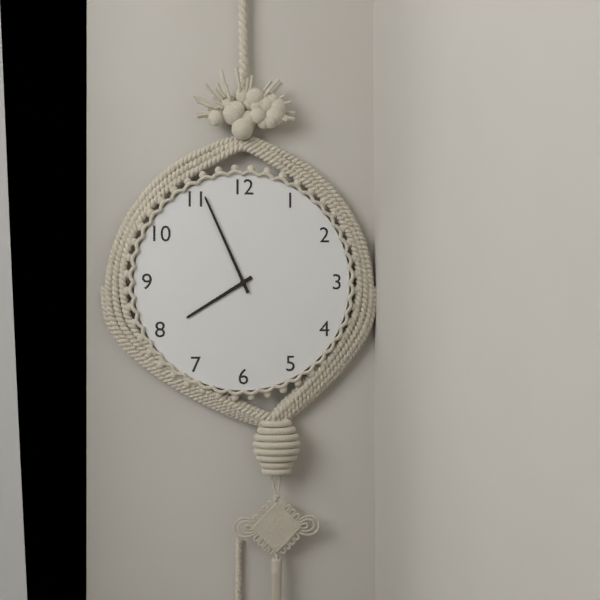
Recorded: 7.56
